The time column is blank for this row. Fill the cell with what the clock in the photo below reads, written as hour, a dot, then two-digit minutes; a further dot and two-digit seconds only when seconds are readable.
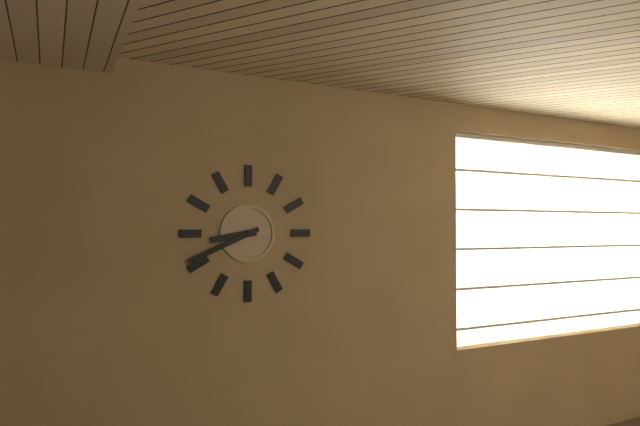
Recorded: 8.41
